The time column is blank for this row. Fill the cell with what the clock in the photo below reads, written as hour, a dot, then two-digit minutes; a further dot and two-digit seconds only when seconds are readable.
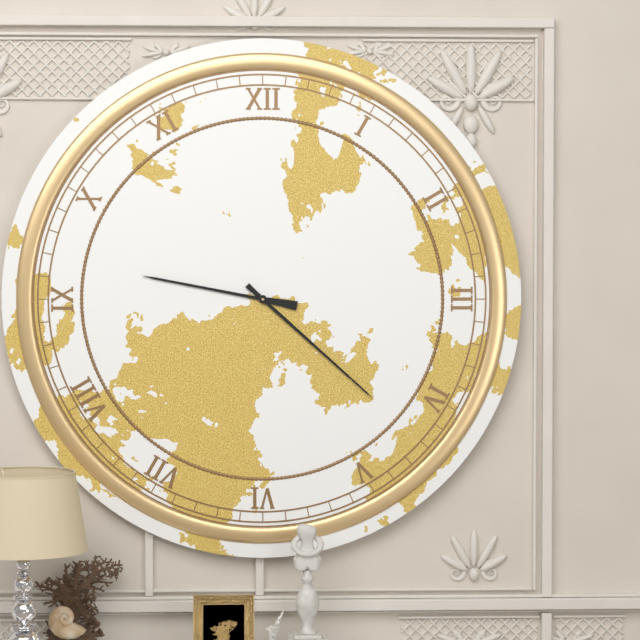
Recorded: 9.22
